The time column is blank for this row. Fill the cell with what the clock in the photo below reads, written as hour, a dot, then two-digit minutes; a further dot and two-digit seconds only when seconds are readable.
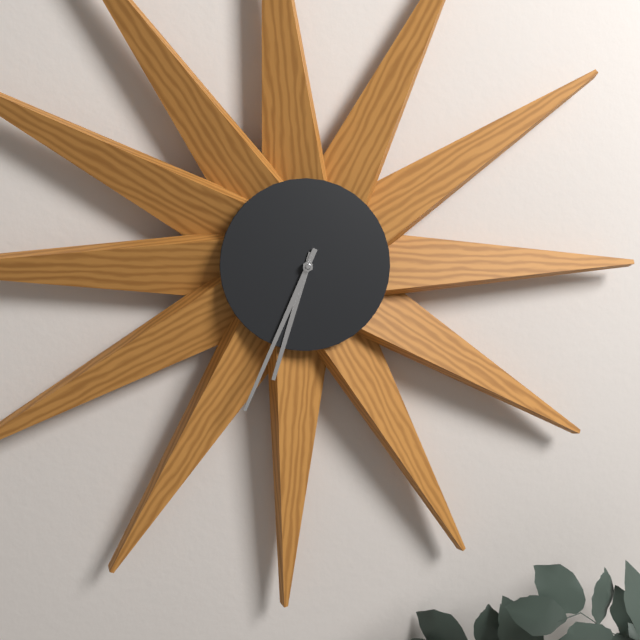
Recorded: 6.34
